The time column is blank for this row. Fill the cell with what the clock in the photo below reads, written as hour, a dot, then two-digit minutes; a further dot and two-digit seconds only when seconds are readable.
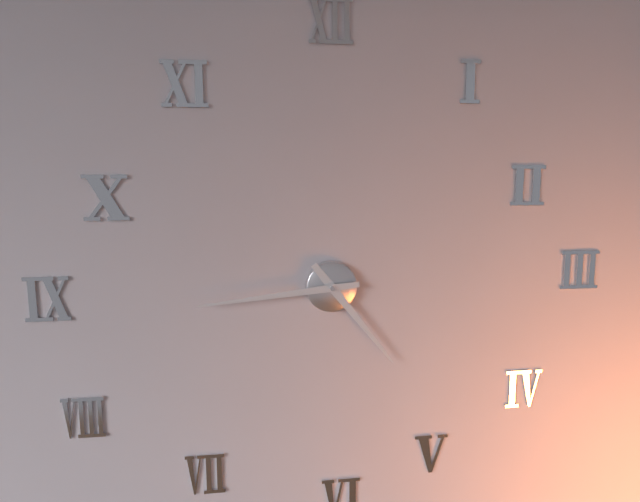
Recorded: 4.44
